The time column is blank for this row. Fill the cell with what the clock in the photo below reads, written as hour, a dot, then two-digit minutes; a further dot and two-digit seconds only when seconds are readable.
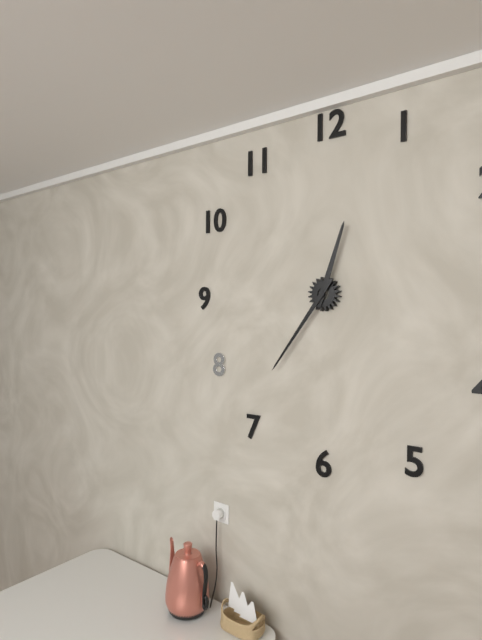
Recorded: 12.36
